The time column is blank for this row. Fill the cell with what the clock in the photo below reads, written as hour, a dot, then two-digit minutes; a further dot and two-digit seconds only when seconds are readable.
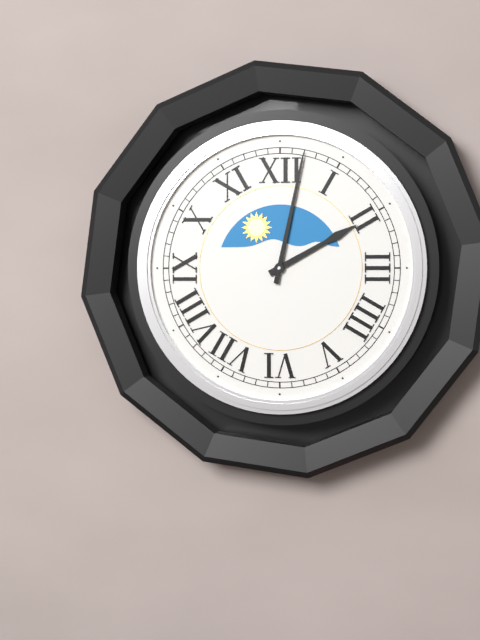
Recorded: 2.02
